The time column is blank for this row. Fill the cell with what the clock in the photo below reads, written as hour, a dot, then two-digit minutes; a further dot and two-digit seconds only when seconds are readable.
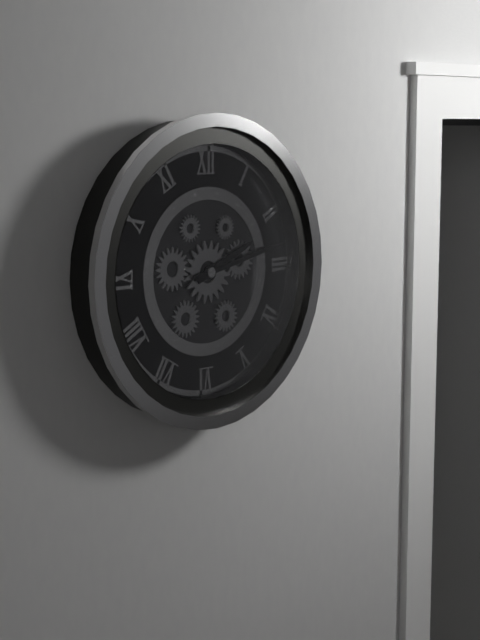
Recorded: 2.13
